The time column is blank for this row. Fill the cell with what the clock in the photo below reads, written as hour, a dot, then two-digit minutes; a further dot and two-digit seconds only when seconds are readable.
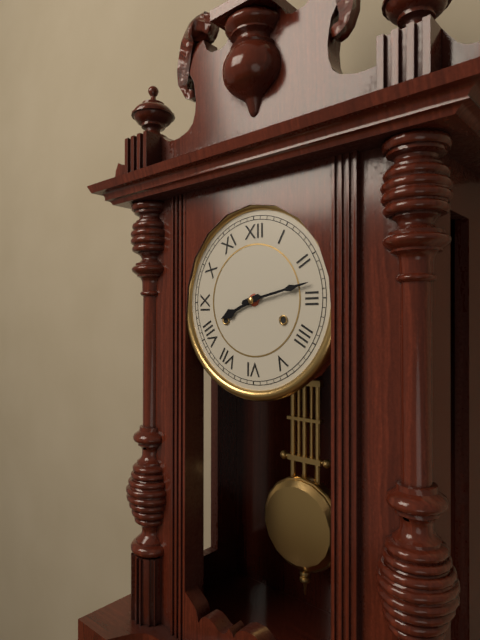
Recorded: 8.13
